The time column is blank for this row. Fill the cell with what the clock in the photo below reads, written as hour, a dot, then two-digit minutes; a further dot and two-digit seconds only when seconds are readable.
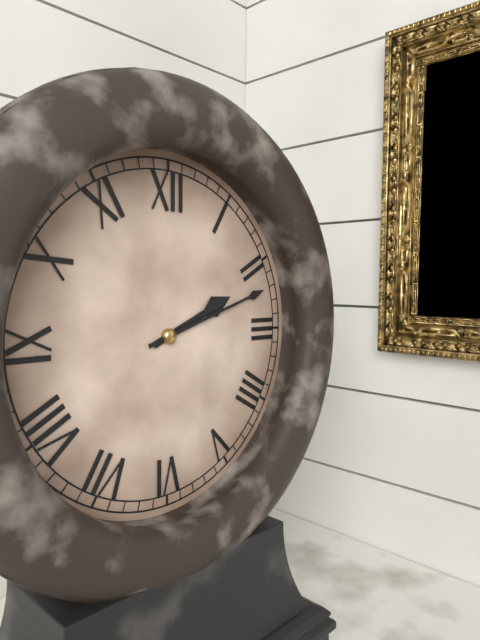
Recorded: 2.12
